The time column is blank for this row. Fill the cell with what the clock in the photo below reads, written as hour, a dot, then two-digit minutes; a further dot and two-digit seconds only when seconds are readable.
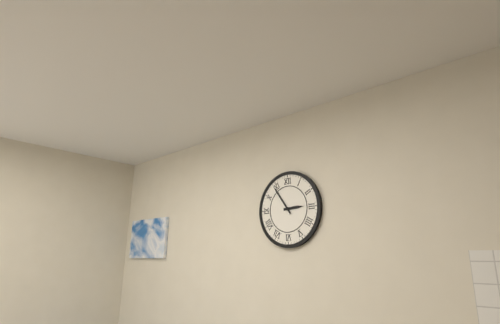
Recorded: 2.54
